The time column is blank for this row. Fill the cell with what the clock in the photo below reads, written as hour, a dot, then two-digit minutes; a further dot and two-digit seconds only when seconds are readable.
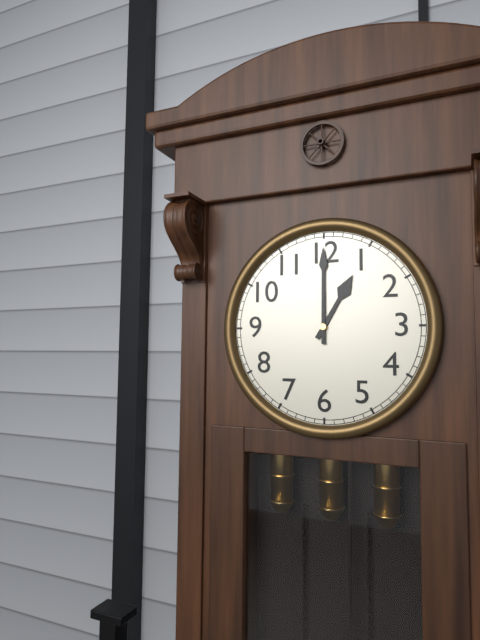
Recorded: 1.00
